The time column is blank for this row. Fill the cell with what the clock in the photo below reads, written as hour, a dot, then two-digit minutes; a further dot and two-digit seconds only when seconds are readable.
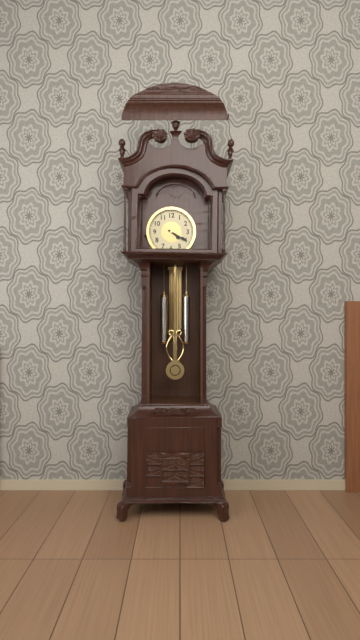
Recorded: 4.20
